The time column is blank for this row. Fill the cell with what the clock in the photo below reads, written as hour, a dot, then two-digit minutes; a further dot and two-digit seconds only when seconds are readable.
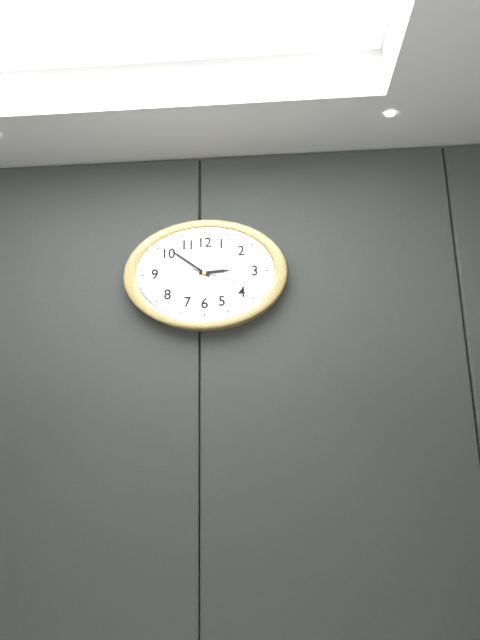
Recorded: 2.51
